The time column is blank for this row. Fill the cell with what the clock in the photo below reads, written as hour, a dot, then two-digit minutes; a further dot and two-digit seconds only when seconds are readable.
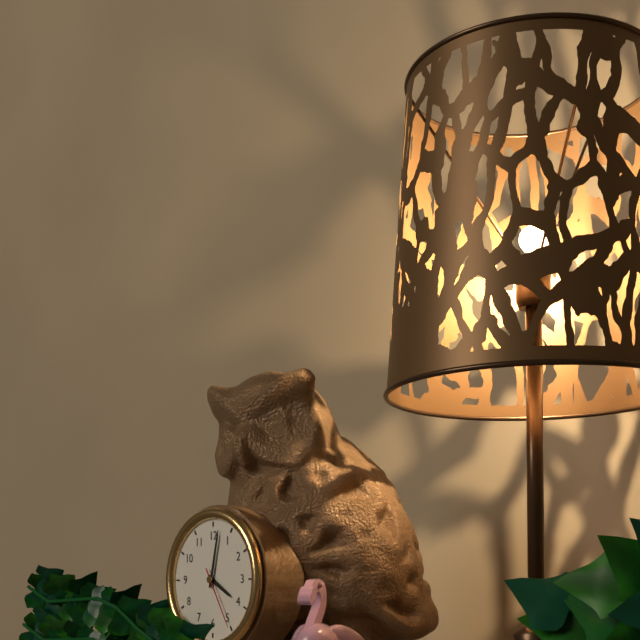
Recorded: 4.02.25
